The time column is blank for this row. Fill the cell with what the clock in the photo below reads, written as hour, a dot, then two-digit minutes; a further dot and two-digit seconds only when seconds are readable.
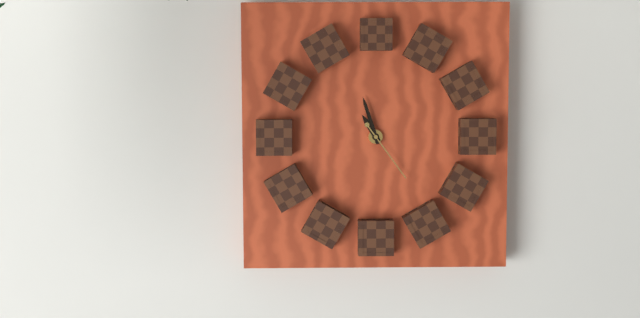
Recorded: 10.57.24
